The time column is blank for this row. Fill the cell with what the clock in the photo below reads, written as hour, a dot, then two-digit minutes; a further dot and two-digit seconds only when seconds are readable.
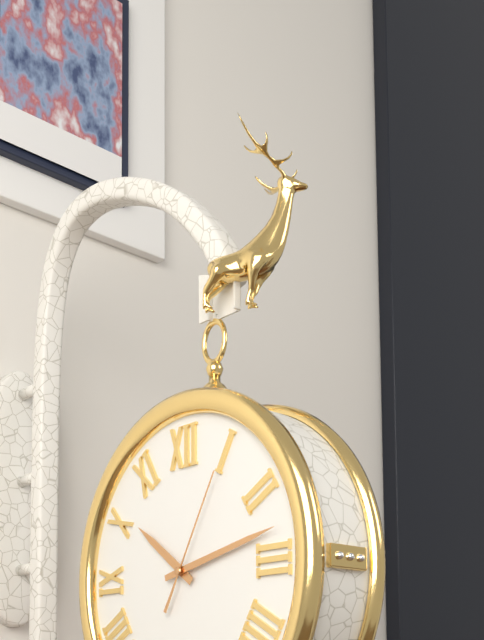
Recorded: 10.13.05
